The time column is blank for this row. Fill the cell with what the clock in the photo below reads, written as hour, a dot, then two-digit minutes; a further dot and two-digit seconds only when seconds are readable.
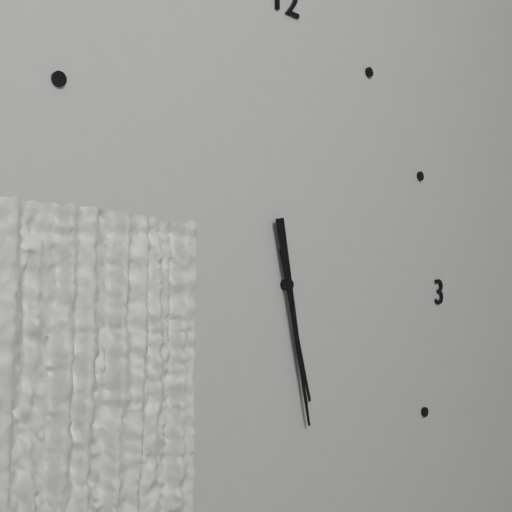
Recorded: 5.28
